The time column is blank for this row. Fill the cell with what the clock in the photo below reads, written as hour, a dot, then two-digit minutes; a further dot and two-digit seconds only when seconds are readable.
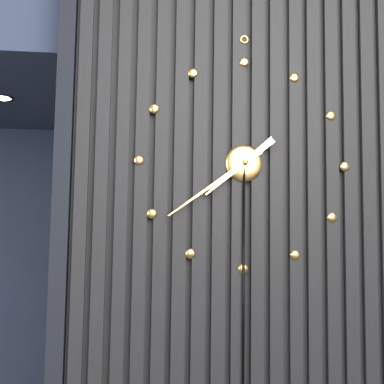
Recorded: 7.39
